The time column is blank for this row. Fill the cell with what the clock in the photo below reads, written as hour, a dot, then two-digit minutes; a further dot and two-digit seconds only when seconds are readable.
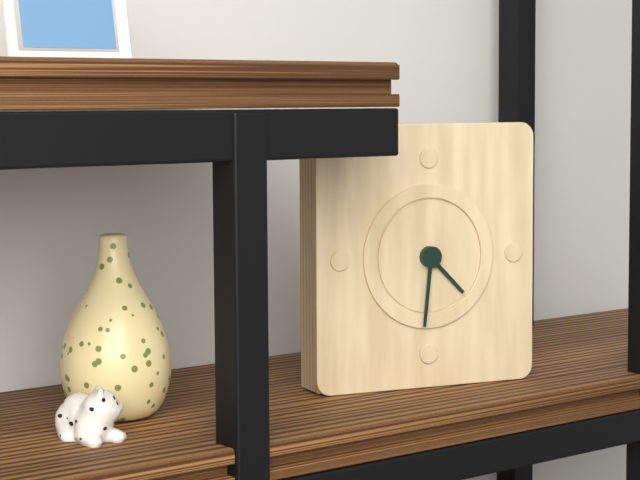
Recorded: 4.31
